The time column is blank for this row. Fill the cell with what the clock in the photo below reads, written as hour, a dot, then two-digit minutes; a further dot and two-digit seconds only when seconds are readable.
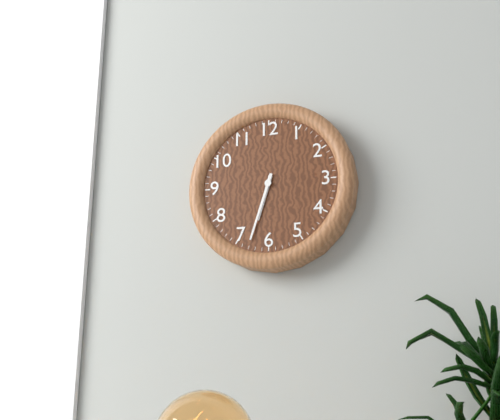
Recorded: 6.33
